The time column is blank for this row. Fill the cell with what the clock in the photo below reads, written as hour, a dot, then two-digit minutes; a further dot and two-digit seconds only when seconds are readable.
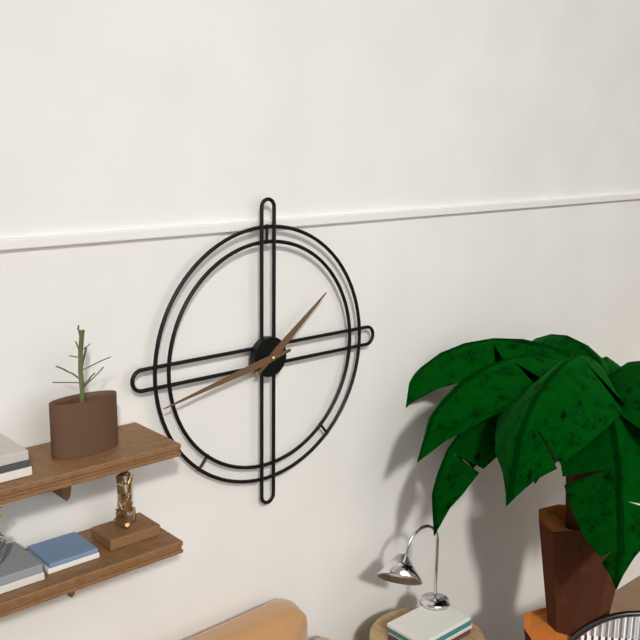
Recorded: 1.43
